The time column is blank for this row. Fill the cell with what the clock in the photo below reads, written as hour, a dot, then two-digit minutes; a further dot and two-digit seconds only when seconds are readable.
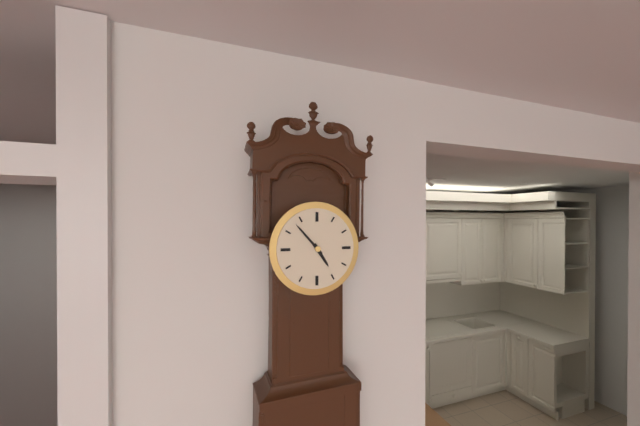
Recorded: 4.53
